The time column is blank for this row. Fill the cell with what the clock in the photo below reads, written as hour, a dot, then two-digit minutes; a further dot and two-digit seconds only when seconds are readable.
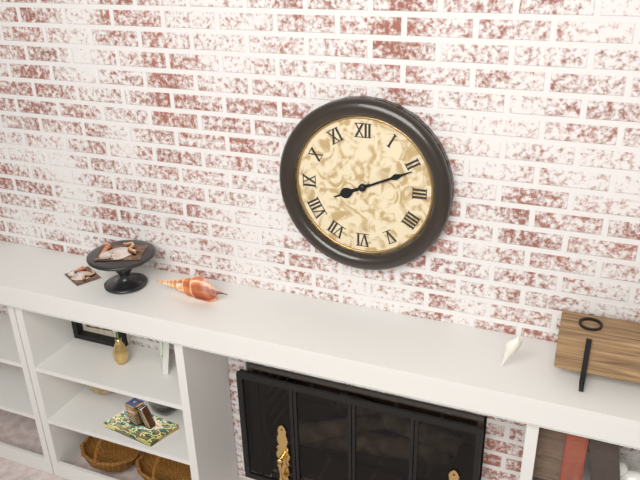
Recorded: 8.11
